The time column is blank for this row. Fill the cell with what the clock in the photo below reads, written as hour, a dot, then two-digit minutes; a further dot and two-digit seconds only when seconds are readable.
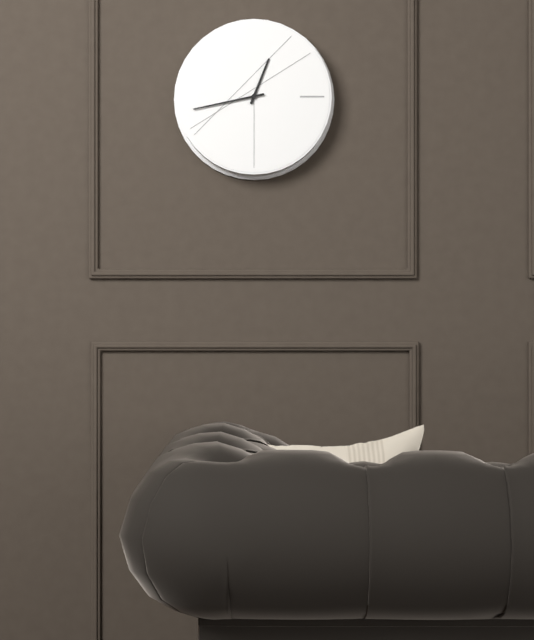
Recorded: 12.43
